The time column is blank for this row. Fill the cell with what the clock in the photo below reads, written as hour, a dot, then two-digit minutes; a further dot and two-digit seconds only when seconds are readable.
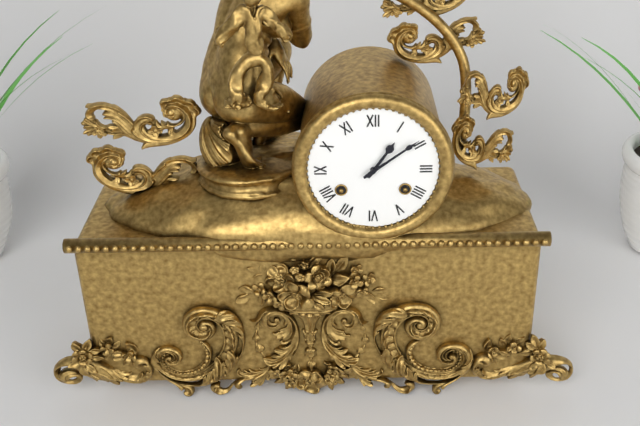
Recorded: 1.09
